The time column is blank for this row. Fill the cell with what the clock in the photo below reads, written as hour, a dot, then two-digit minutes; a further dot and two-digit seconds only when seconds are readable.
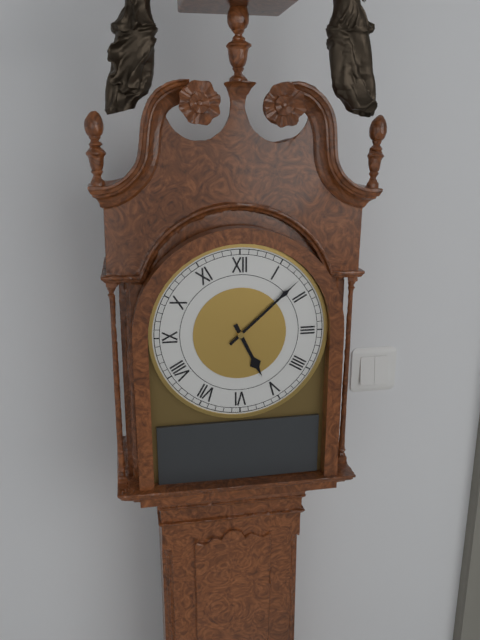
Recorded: 5.08
